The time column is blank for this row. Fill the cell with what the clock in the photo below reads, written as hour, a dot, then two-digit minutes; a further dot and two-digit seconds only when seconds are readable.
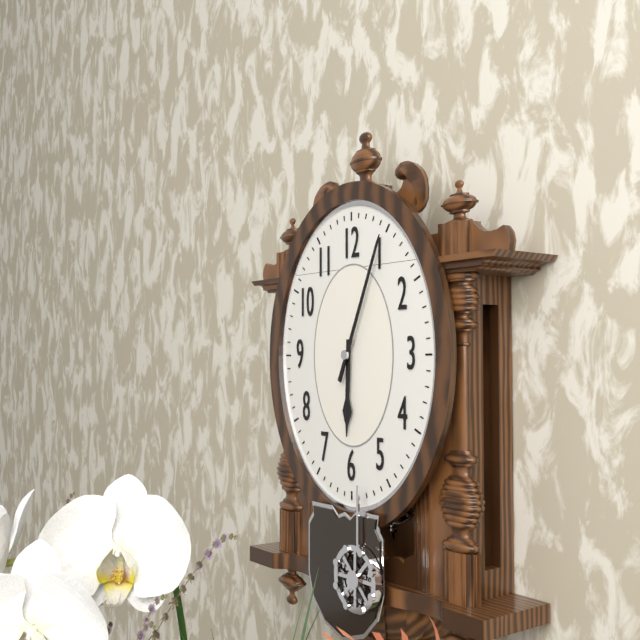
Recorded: 6.04
